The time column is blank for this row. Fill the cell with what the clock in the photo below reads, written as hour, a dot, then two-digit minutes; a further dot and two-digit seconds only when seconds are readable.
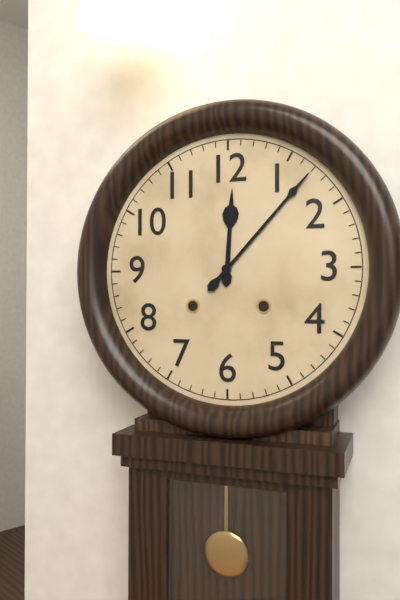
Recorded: 12.07
